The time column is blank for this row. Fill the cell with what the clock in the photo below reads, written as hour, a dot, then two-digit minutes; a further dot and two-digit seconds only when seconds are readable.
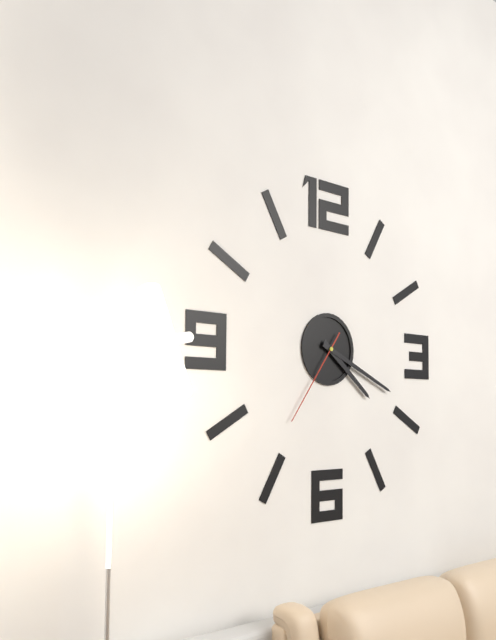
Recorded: 4.19.36
